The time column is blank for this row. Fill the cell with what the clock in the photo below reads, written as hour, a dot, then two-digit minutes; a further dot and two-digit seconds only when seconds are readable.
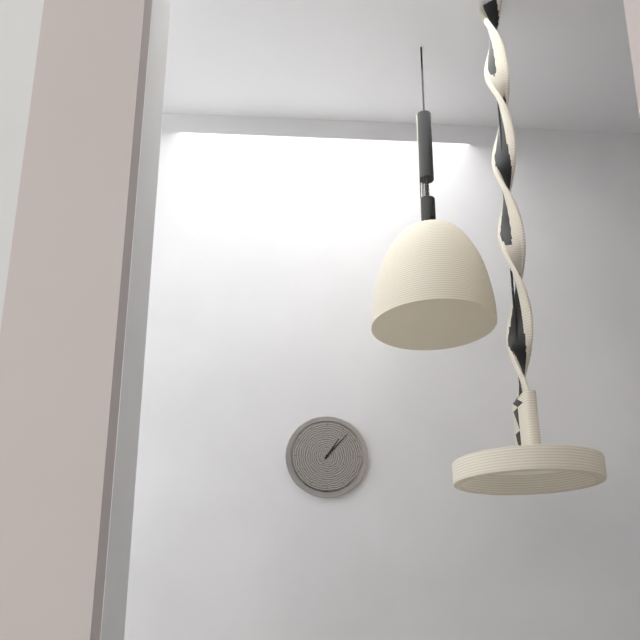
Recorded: 1.07
